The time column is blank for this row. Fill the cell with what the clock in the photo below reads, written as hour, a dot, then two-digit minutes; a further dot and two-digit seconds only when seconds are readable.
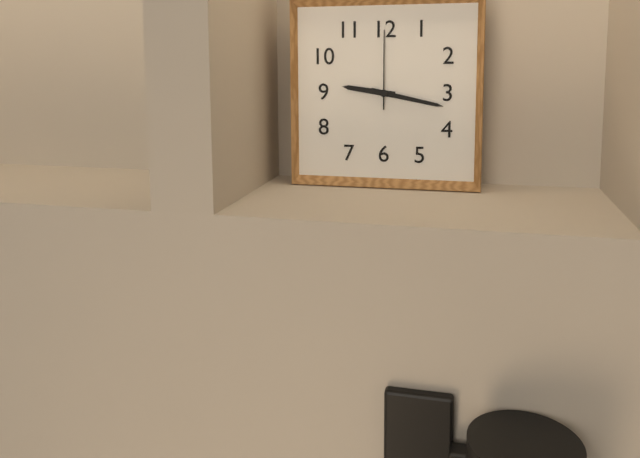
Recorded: 9.17.00
